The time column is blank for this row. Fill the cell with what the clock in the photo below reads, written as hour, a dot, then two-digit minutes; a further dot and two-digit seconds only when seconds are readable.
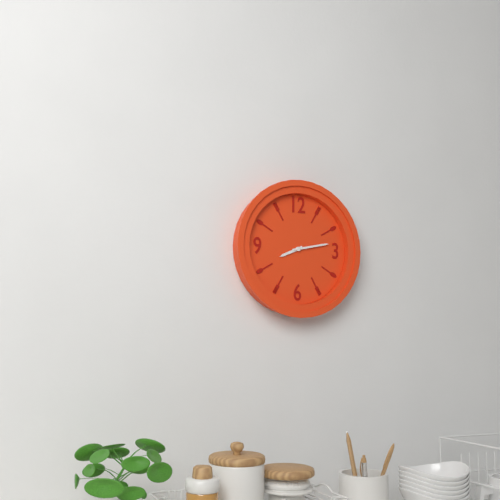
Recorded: 8.13
